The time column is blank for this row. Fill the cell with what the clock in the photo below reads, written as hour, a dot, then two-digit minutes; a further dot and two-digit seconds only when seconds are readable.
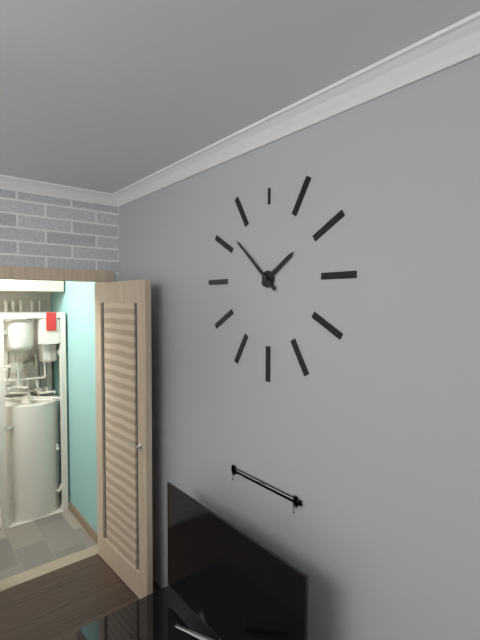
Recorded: 1.52
